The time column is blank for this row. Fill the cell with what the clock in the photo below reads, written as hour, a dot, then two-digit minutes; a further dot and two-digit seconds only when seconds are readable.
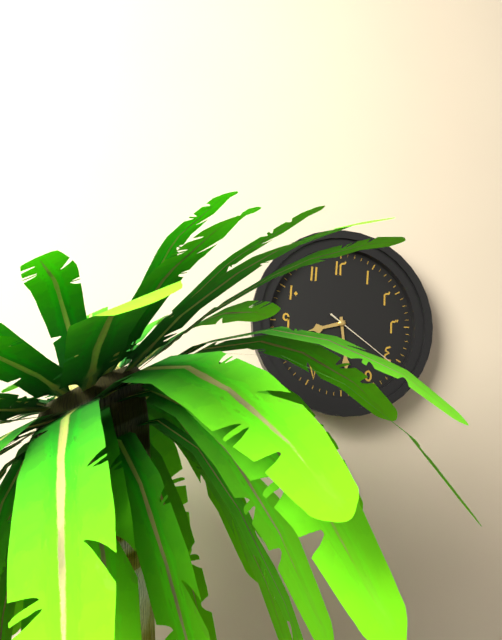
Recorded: 8.29.21
